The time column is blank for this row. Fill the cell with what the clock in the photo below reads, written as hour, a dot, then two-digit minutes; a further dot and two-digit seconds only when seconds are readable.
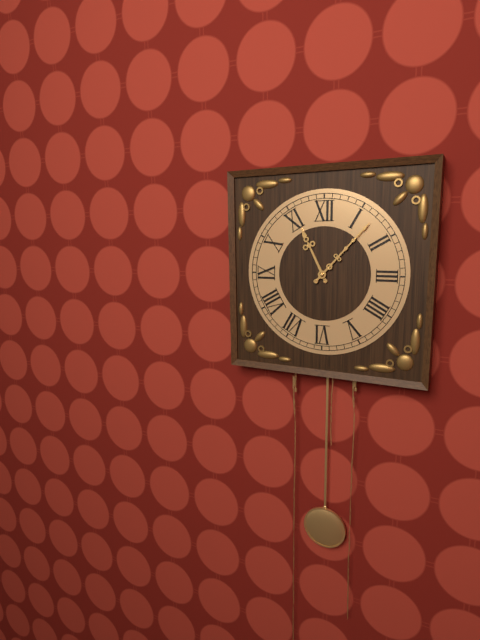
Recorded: 11.07
